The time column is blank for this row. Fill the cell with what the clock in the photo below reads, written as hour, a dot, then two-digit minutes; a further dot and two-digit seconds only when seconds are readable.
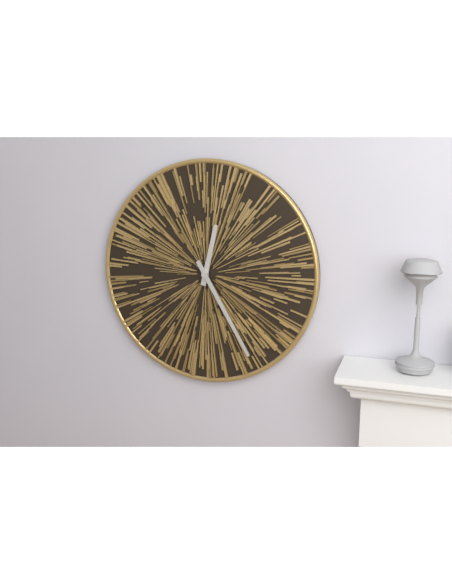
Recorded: 12.25
